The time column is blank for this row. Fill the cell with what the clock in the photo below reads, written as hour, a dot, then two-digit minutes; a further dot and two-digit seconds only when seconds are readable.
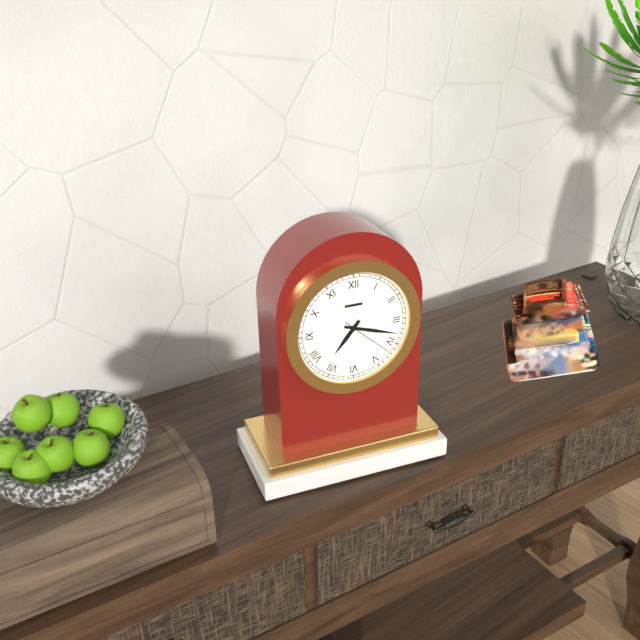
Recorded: 7.18.22
